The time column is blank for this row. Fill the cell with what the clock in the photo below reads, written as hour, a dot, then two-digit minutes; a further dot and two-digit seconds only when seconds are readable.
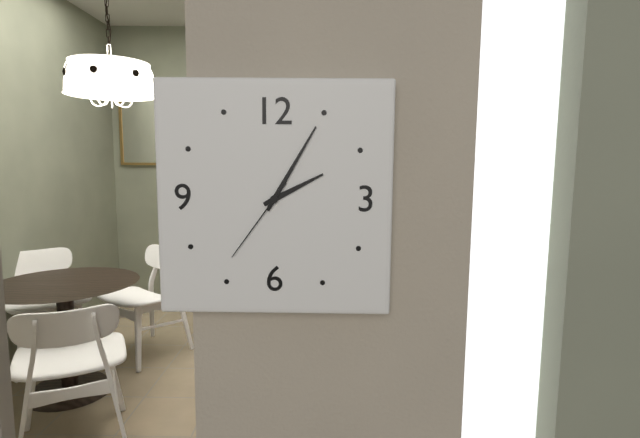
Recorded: 2.05.36
